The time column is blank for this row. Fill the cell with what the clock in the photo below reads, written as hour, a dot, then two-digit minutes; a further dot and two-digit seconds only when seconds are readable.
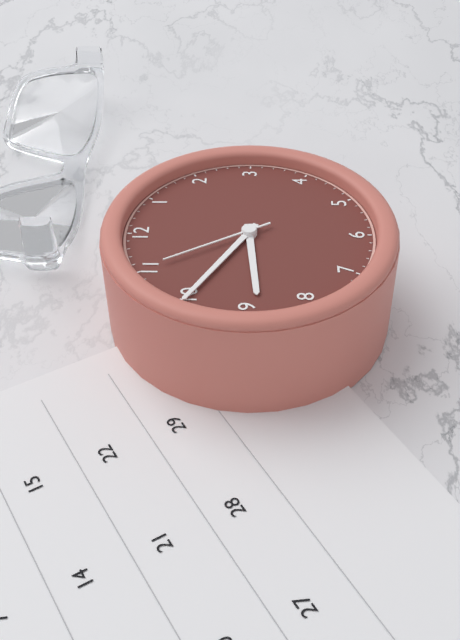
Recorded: 8.50.55
